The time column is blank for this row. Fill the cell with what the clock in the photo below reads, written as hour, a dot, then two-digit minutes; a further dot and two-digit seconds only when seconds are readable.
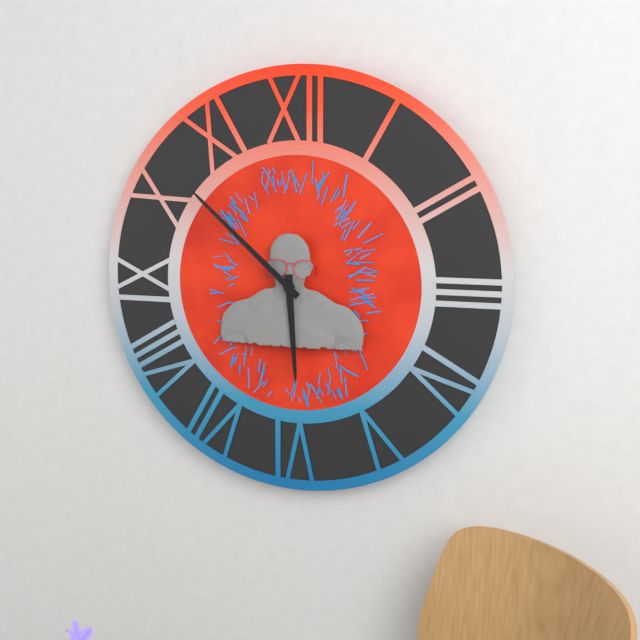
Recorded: 5.52
